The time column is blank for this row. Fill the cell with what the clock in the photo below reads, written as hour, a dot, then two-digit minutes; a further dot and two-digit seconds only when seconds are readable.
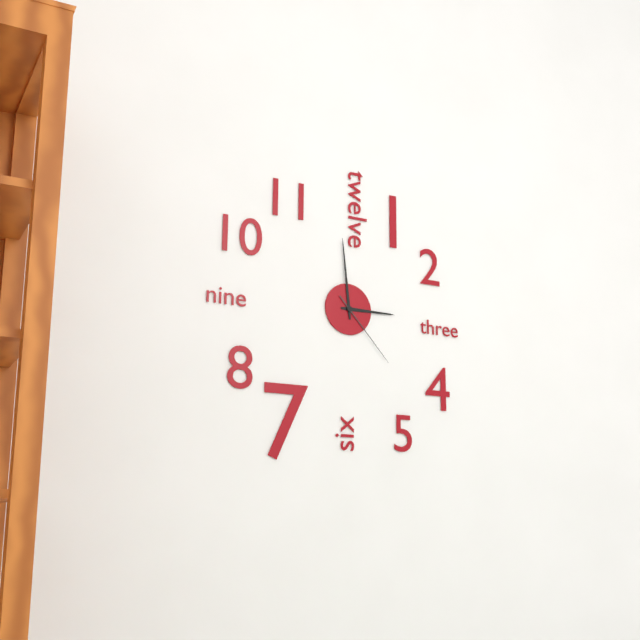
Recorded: 2.59.23
